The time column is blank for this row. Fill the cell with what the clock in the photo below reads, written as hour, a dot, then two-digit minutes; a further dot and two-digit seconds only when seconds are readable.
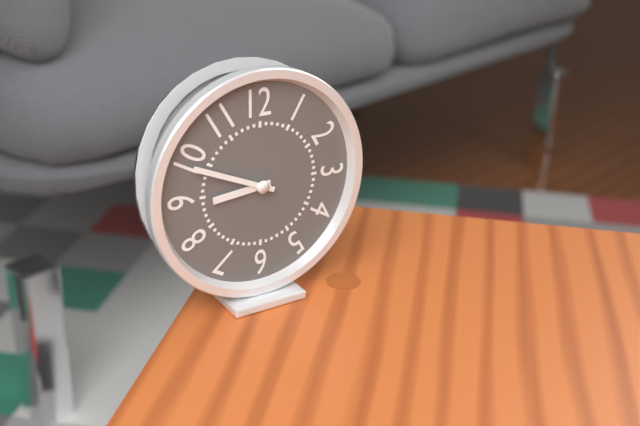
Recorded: 8.49
